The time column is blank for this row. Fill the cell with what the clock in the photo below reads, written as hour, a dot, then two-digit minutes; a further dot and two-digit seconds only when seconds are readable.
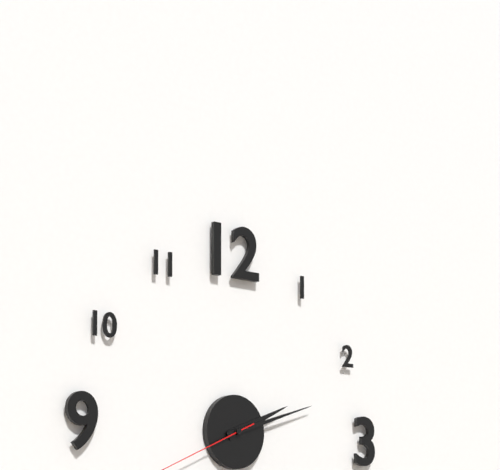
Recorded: 2.12
